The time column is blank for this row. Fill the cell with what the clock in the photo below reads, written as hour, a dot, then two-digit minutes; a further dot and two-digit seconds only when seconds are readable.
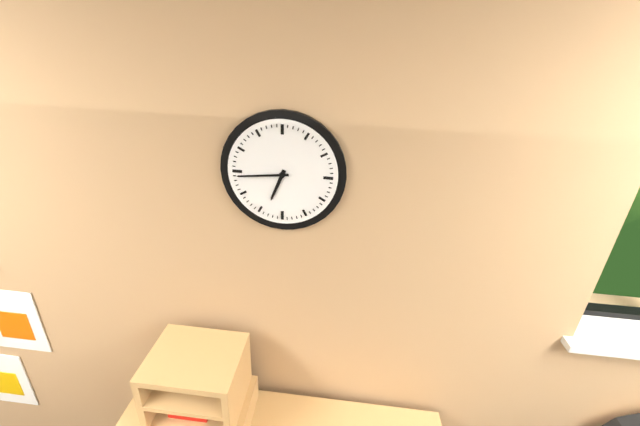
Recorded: 6.44
